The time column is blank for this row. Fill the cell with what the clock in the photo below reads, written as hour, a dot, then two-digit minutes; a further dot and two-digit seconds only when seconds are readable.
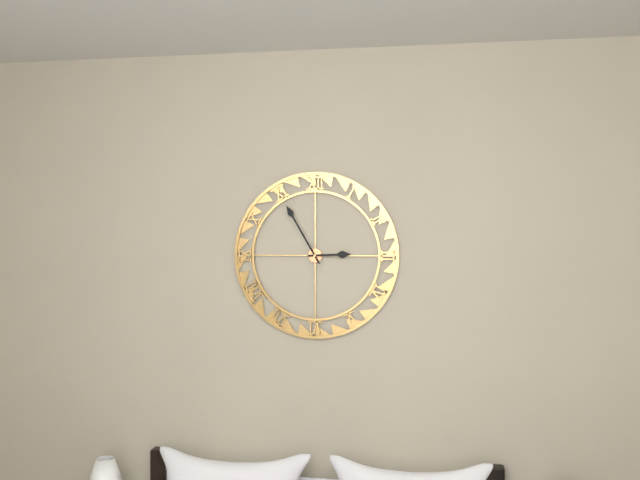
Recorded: 2.55
